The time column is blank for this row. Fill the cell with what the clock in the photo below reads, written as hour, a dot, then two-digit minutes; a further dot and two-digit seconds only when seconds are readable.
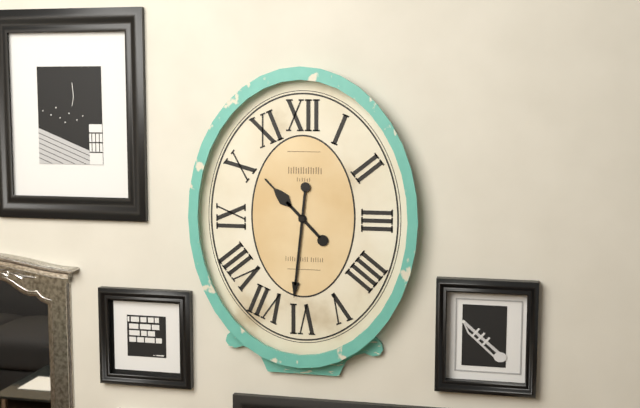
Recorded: 10.31
